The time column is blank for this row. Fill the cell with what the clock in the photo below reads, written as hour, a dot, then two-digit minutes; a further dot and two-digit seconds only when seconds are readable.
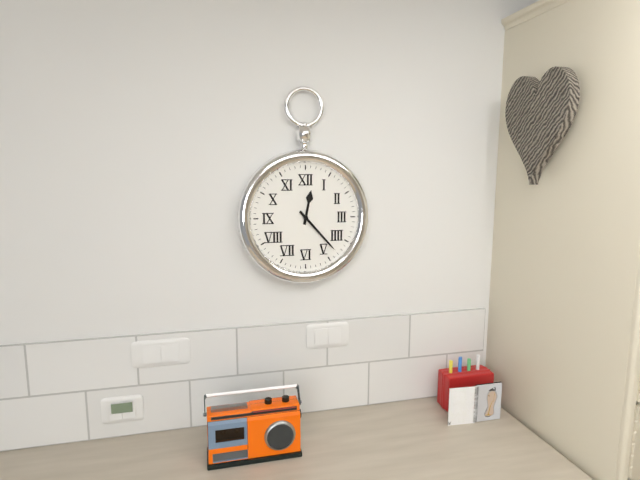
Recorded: 12.23
